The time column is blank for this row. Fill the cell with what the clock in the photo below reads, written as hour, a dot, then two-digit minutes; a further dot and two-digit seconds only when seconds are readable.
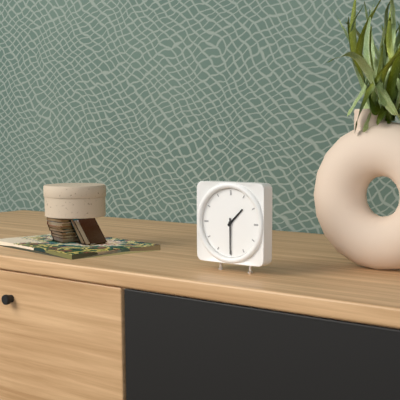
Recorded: 1.30
